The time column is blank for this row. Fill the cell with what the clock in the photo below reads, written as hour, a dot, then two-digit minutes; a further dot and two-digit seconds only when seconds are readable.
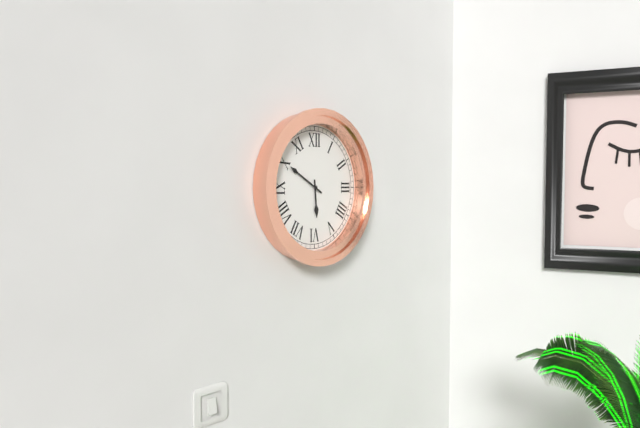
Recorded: 5.50
